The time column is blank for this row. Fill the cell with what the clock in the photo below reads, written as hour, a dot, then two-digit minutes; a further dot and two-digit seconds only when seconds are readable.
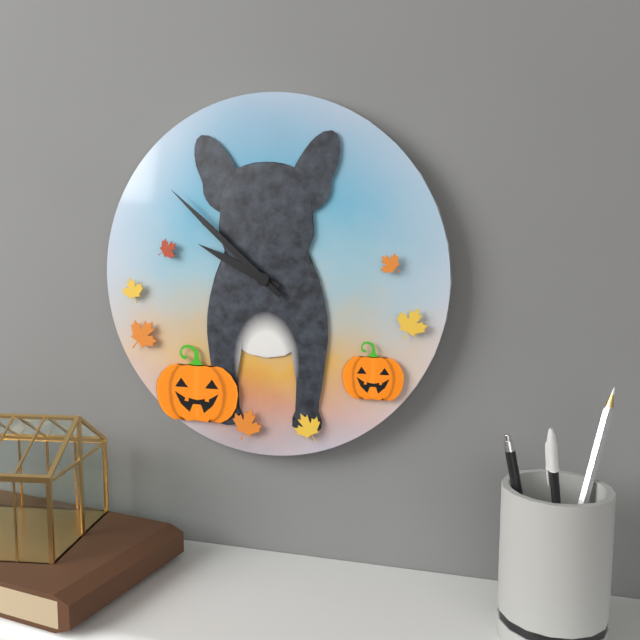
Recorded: 9.52
